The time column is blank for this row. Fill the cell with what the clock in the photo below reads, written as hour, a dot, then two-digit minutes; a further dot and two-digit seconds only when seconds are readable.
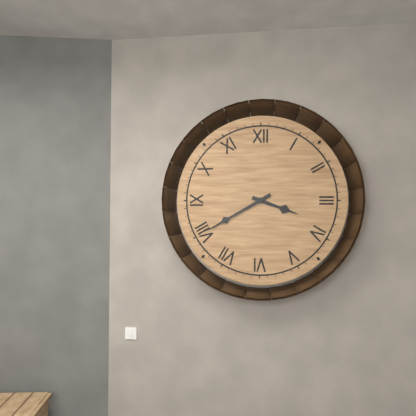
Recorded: 3.40
